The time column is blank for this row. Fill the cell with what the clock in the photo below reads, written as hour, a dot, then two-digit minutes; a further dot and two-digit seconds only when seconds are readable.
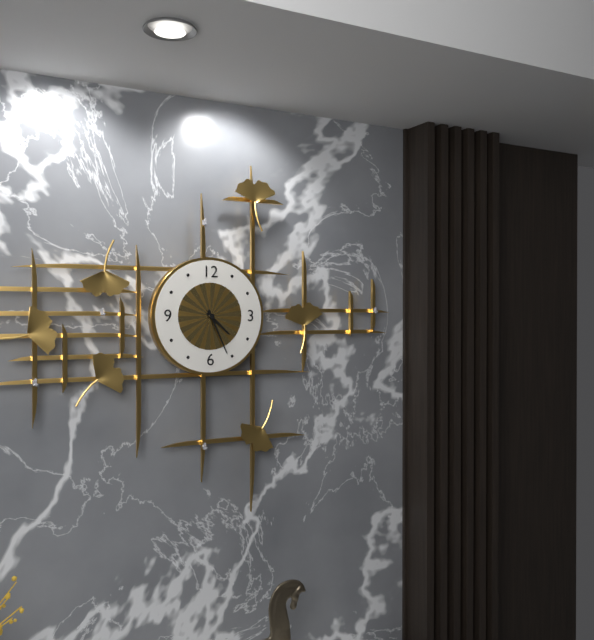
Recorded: 4.26
